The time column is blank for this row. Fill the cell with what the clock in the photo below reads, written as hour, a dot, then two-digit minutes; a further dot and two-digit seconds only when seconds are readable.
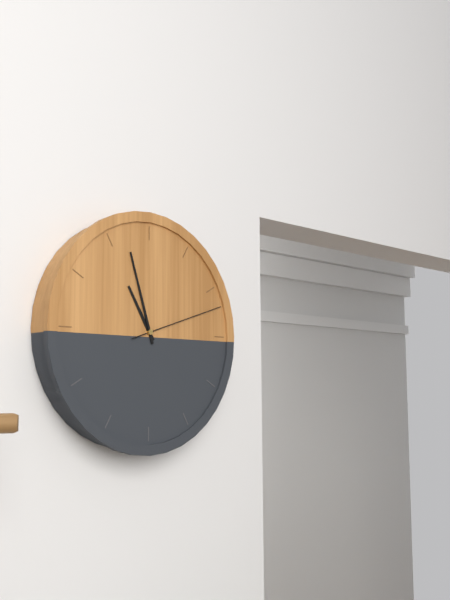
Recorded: 10.57.12
